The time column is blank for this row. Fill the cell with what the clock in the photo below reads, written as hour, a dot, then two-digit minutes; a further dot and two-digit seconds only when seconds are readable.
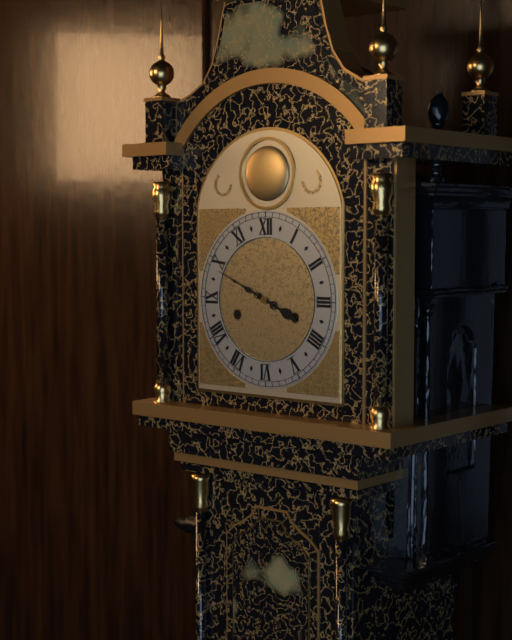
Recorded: 3.49
